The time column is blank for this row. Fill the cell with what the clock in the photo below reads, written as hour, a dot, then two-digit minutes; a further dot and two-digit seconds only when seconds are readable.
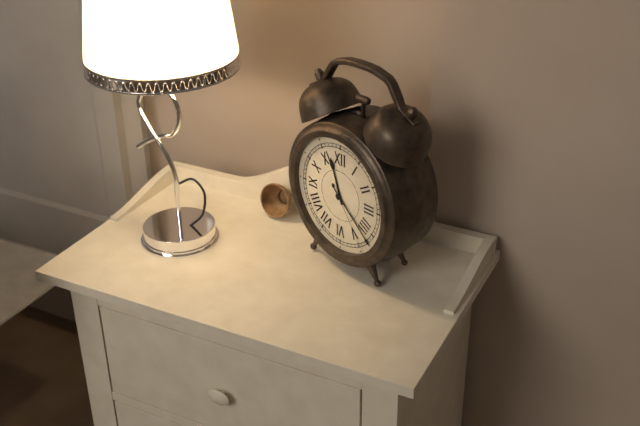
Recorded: 11.22.24
